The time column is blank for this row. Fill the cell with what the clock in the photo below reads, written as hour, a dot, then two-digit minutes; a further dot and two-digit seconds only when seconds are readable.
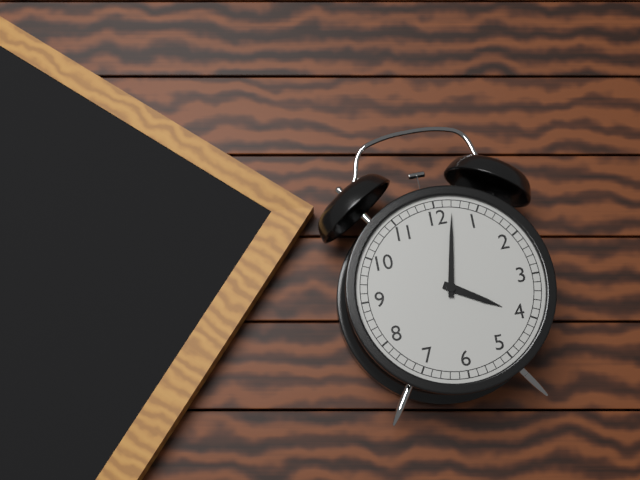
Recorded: 4.02
